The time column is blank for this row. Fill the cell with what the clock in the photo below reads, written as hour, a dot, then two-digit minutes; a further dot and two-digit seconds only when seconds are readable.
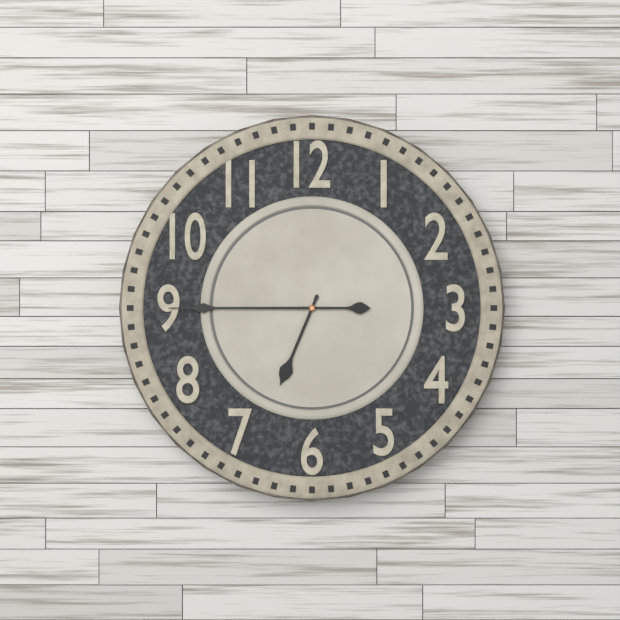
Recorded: 6.45
